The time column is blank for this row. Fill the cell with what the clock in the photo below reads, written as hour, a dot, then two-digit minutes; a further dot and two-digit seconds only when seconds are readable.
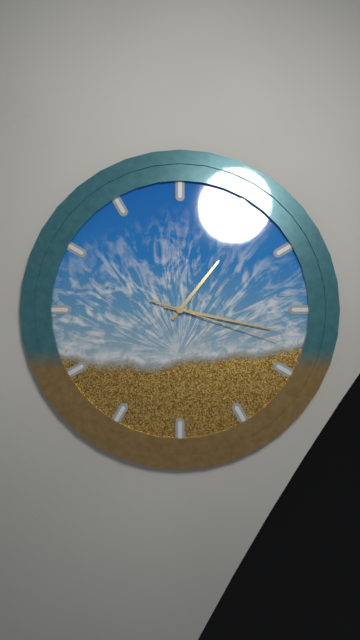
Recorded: 1.17.18
